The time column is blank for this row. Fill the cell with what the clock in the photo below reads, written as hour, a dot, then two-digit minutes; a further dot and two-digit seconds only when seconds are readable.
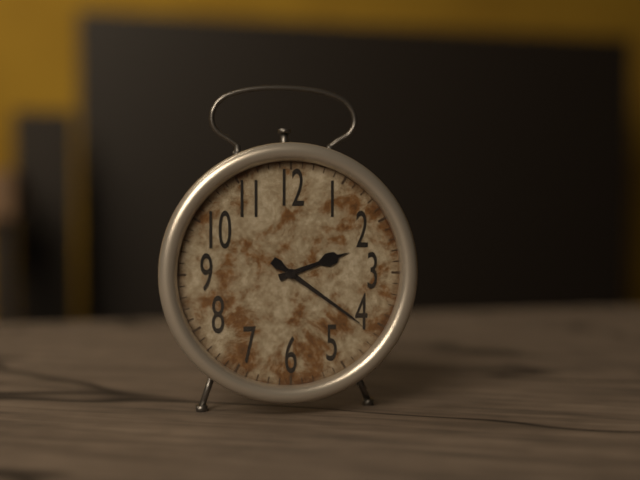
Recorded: 2.21
